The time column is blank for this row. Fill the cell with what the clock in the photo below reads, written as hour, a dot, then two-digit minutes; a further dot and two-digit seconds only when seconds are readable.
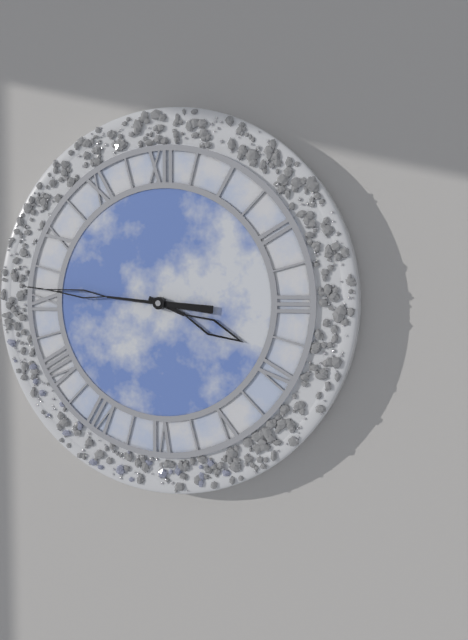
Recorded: 3.46
